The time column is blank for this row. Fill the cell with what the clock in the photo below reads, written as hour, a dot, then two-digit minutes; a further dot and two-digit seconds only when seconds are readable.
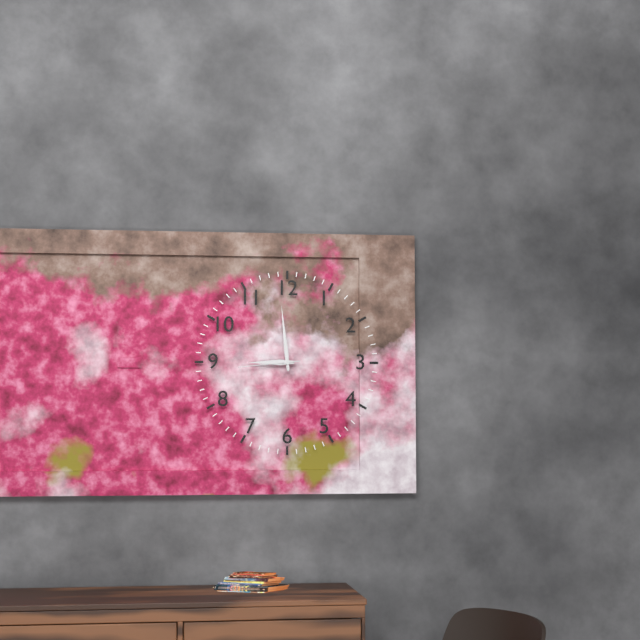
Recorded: 8.59.44
